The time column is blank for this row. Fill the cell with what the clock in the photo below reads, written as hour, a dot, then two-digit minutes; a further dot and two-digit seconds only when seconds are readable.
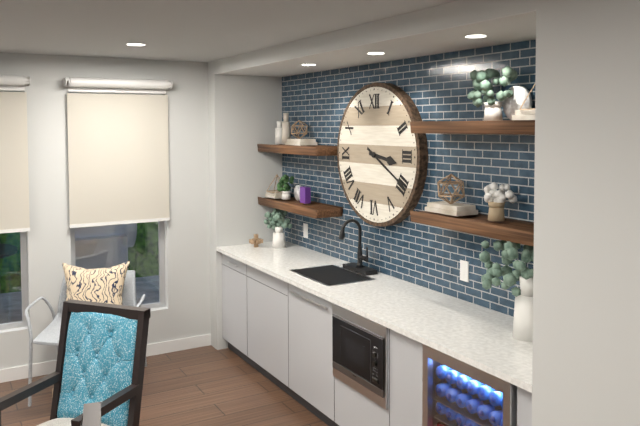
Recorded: 3.20
